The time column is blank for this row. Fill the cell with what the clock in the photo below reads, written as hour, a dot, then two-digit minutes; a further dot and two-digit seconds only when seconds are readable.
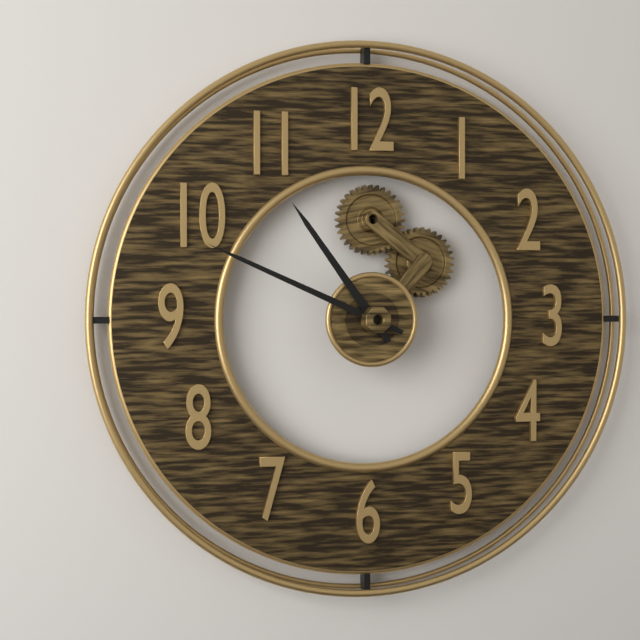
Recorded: 10.49
